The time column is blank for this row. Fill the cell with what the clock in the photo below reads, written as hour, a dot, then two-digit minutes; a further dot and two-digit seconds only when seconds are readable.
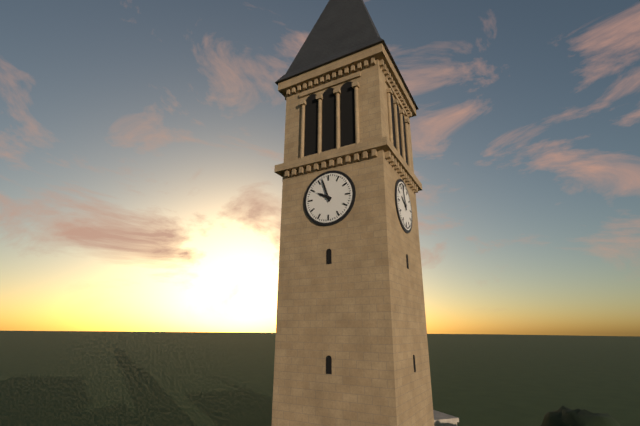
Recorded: 9.57
